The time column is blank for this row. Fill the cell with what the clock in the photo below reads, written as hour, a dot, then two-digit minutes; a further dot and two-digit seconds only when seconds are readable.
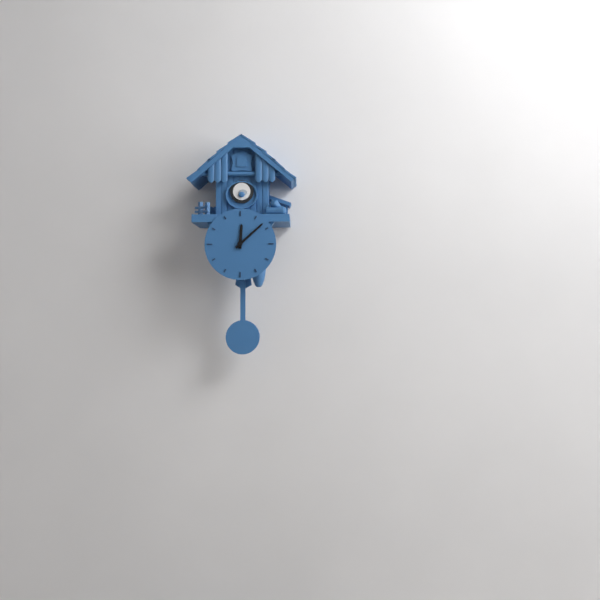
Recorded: 12.08
